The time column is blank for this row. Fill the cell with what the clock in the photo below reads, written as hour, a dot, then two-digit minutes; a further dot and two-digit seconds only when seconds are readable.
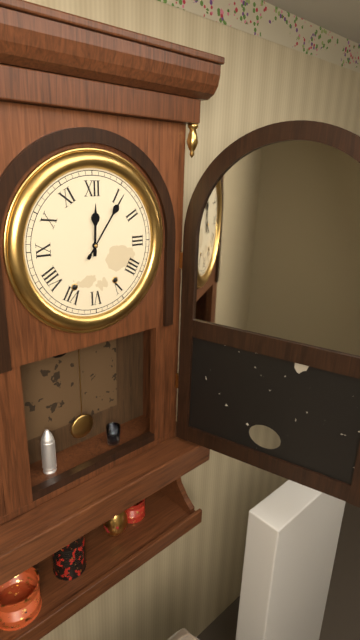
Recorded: 12.06
